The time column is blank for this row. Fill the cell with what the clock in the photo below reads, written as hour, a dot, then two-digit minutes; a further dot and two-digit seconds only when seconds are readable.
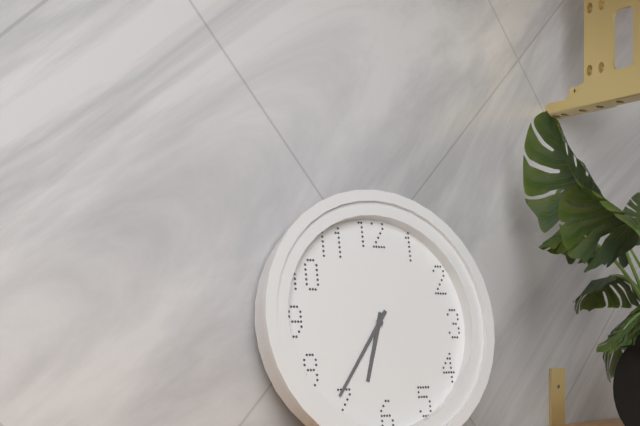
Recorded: 6.36
